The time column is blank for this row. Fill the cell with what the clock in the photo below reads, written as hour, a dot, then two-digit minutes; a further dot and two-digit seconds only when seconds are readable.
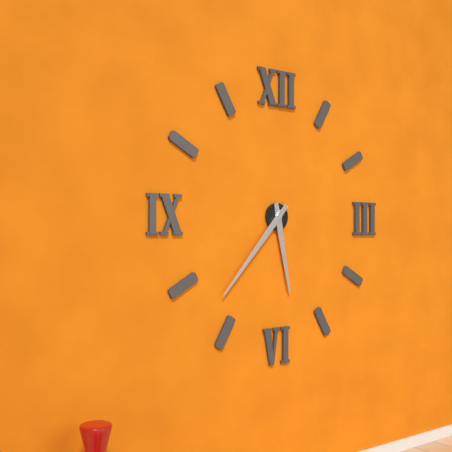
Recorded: 5.37
